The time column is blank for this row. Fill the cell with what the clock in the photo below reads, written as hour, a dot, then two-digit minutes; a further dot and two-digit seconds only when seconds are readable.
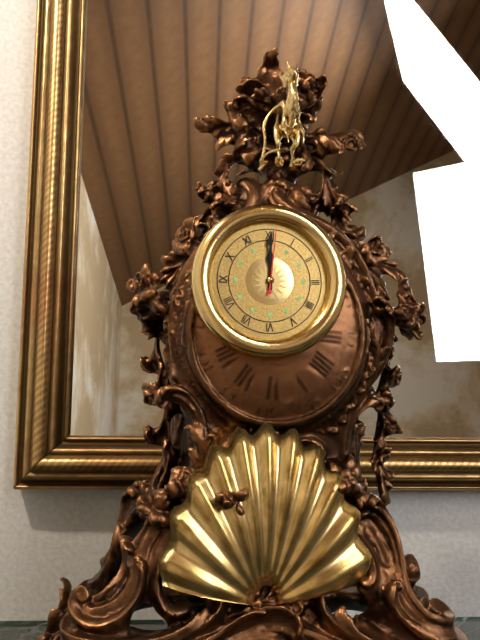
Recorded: 12.00.01
